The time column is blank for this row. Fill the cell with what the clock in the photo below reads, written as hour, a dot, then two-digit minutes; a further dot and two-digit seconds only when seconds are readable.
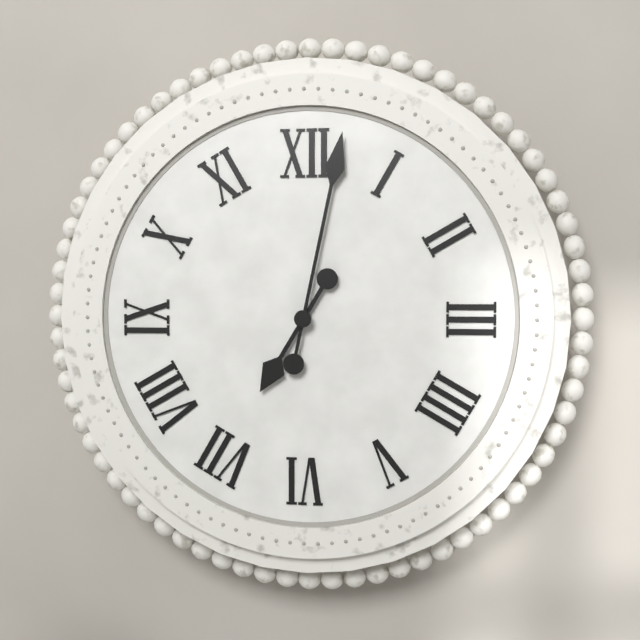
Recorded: 7.02
